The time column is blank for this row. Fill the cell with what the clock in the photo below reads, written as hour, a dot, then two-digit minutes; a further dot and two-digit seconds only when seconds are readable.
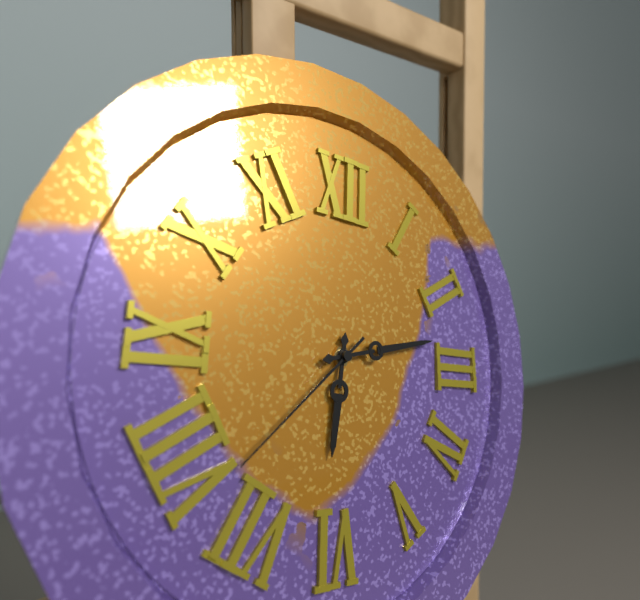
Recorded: 6.13.38
